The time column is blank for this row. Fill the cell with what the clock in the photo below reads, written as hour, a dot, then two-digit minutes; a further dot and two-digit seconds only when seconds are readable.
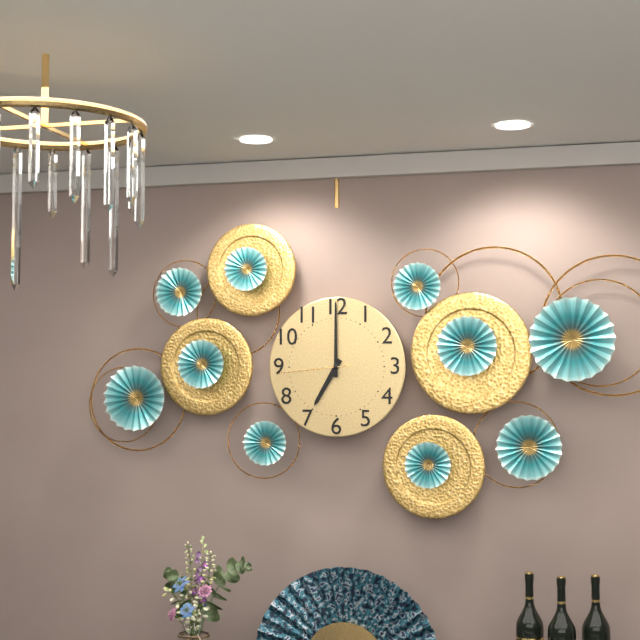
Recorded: 7.00.44
